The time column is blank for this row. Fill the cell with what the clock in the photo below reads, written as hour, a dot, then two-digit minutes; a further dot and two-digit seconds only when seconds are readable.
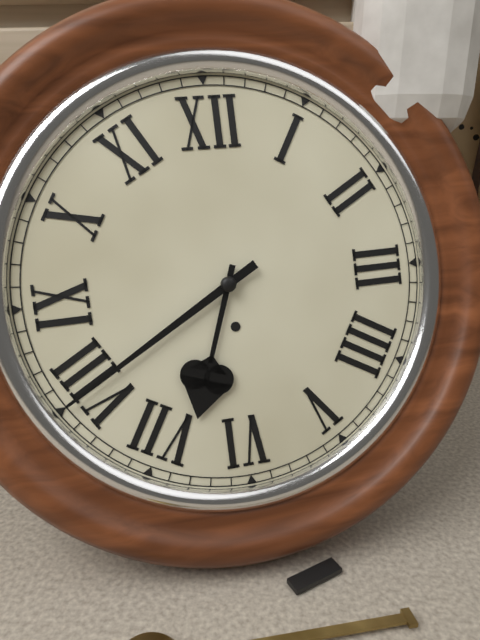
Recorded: 6.40
